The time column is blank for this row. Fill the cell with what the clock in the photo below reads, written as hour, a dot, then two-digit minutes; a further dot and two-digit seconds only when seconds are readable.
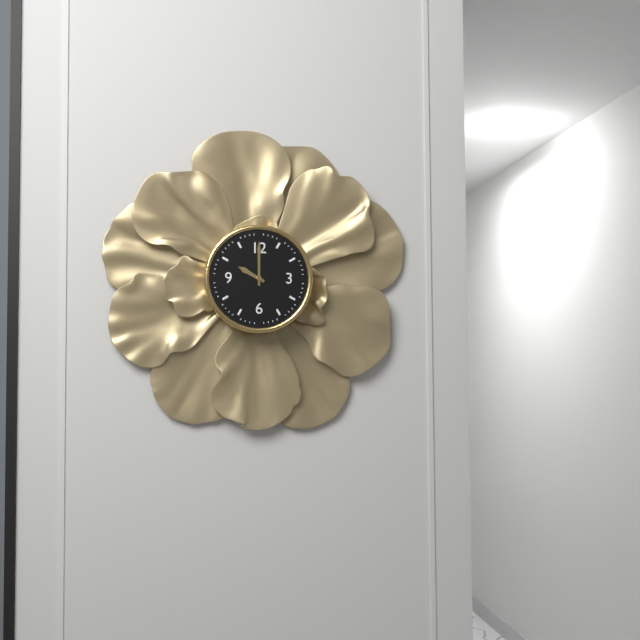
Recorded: 10.00
